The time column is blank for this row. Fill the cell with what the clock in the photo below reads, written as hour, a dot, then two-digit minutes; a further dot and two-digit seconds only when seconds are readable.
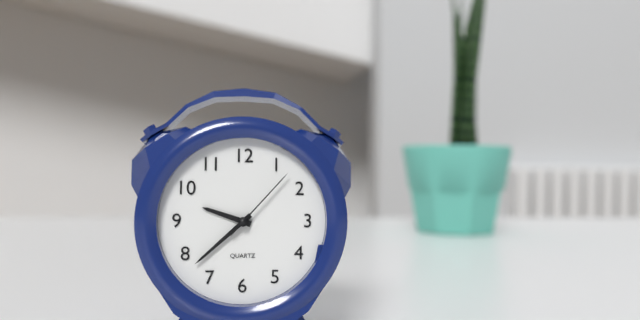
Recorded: 9.38.07
